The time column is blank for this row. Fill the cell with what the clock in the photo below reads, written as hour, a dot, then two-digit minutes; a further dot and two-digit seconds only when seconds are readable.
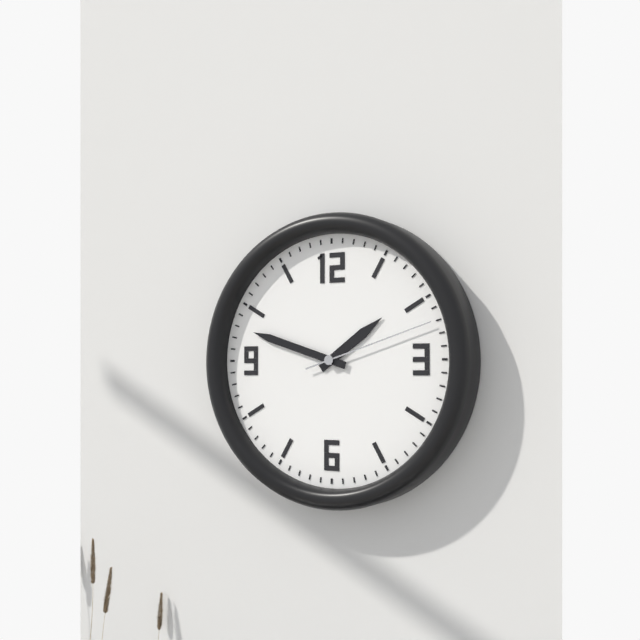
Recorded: 1.48.12
